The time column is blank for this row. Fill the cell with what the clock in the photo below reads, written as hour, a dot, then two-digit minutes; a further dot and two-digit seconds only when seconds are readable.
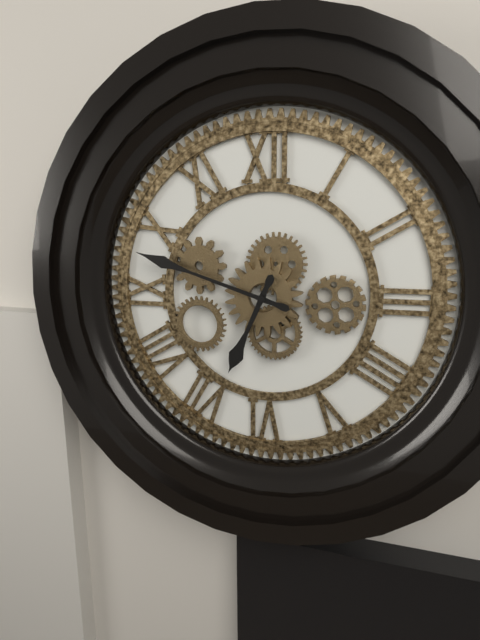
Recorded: 6.48
